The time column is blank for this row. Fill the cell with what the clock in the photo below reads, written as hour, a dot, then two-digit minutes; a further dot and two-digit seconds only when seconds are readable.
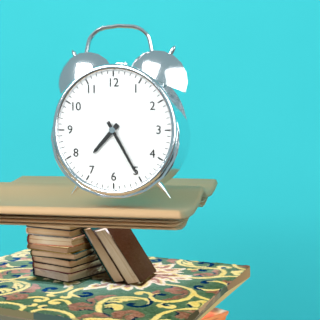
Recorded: 7.25
